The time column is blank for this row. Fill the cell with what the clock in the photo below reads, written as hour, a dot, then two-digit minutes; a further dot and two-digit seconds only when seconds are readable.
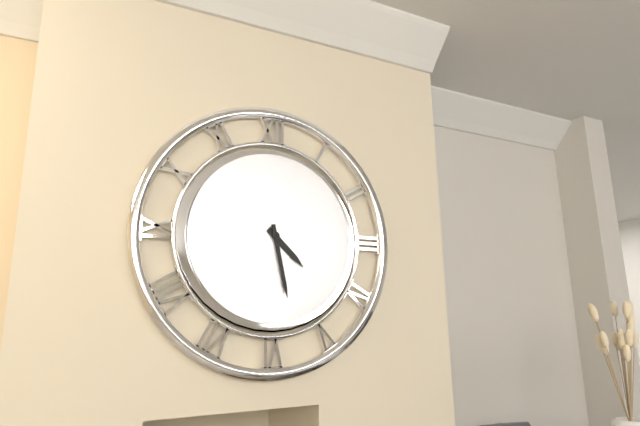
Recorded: 4.28
